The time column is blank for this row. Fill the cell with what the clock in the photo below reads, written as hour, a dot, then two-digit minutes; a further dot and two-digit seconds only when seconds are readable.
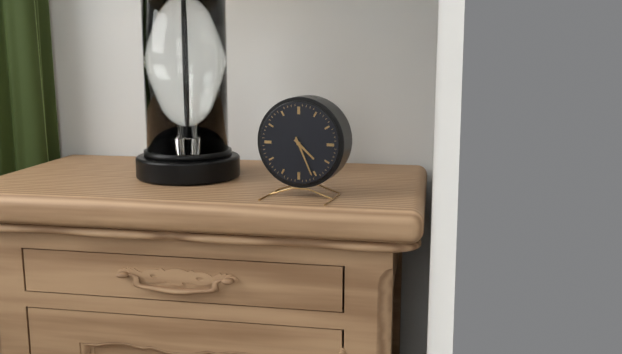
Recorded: 4.26
